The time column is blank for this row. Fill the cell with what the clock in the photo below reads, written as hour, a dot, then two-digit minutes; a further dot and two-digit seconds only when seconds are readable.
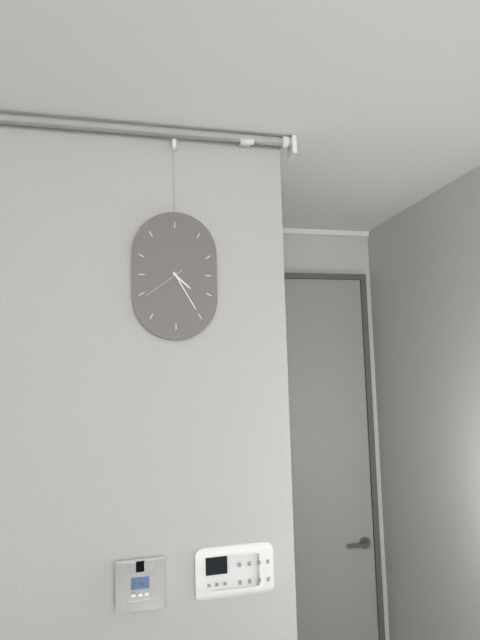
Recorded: 4.25
